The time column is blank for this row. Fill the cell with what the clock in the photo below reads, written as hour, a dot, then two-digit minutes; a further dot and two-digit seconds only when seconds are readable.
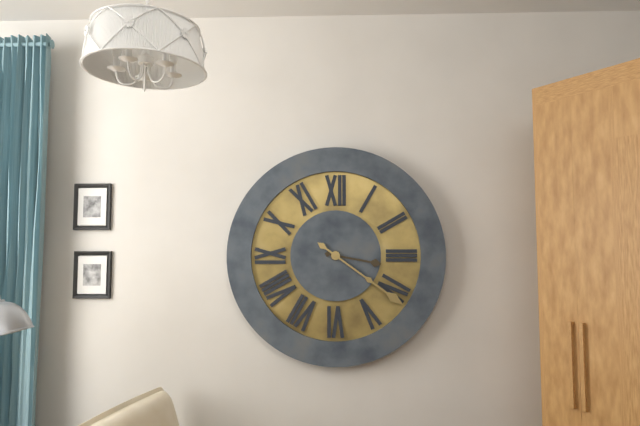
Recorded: 3.21
